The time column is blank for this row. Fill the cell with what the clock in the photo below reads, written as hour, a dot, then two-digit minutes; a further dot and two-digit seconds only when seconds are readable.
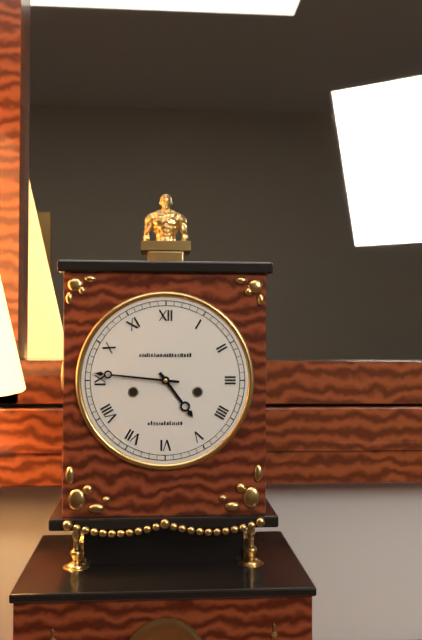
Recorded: 4.46
